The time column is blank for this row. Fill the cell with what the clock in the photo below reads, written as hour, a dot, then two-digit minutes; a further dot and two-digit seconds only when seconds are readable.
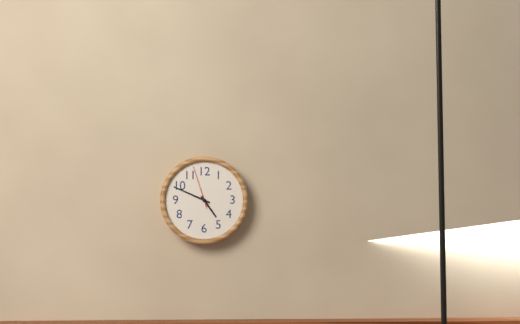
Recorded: 4.49
